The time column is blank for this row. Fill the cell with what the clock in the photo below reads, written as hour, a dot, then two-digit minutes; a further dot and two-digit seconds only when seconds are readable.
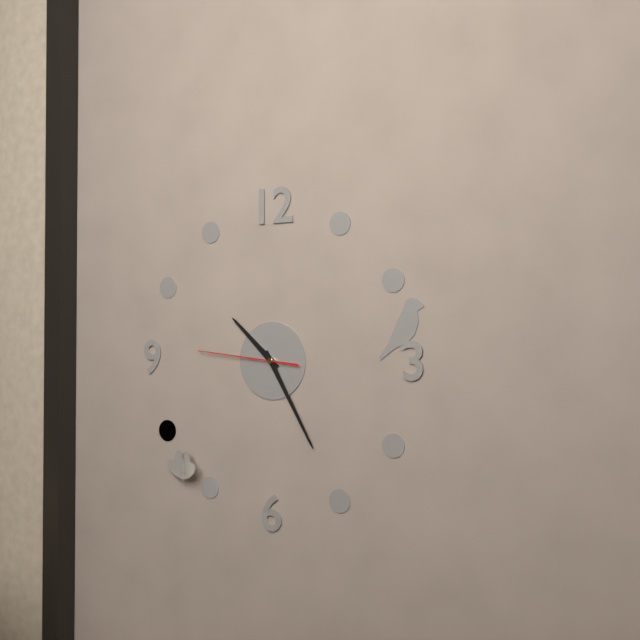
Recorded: 10.25.46
